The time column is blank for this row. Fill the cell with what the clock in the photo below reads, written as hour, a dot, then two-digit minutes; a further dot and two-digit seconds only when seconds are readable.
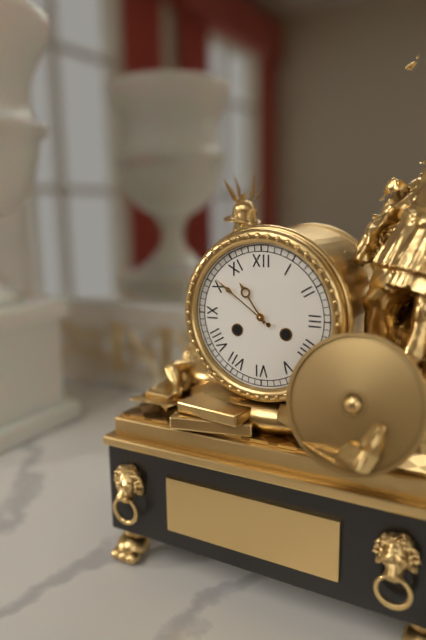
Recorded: 10.51
